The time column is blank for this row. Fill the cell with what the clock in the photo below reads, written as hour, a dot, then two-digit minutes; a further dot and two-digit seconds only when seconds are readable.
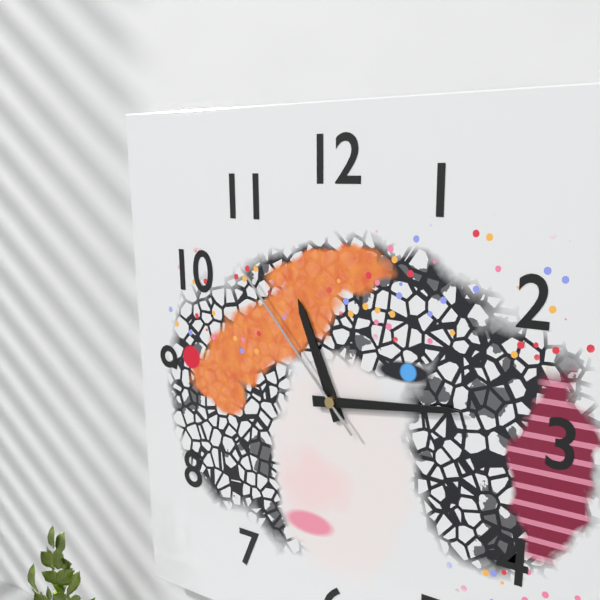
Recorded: 11.14.53
